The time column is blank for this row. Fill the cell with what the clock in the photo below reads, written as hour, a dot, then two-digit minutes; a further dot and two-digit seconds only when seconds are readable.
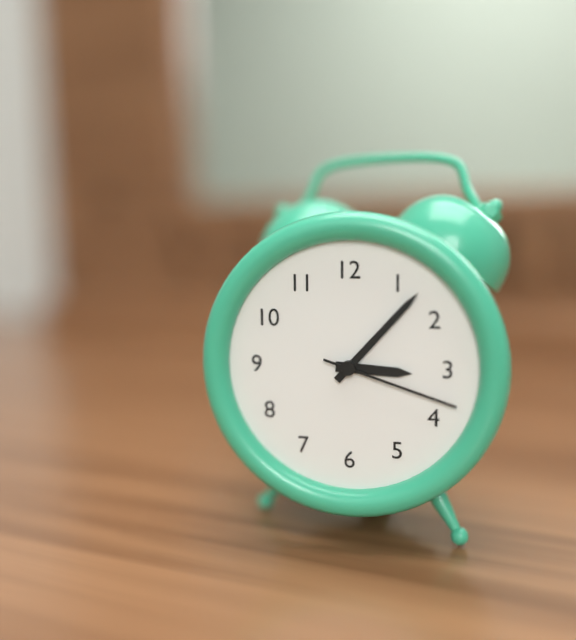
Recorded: 3.07.18
